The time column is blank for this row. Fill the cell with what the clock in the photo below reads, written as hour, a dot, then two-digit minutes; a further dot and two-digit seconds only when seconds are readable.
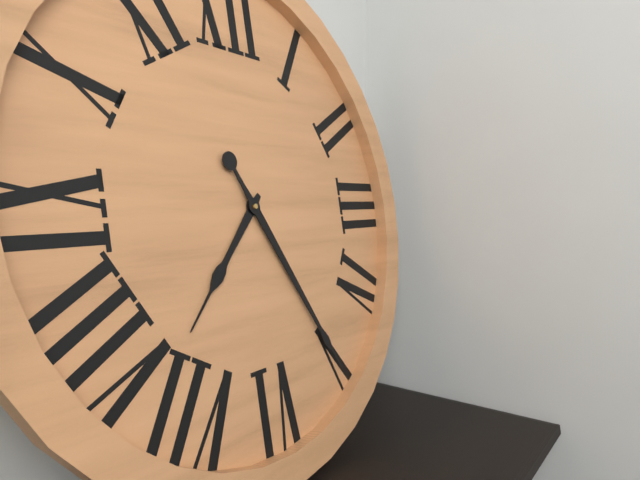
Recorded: 7.25
